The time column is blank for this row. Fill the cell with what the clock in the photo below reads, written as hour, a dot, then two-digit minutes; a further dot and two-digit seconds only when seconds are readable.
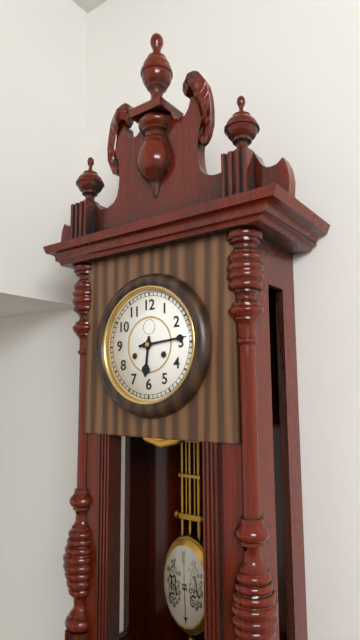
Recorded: 6.14
